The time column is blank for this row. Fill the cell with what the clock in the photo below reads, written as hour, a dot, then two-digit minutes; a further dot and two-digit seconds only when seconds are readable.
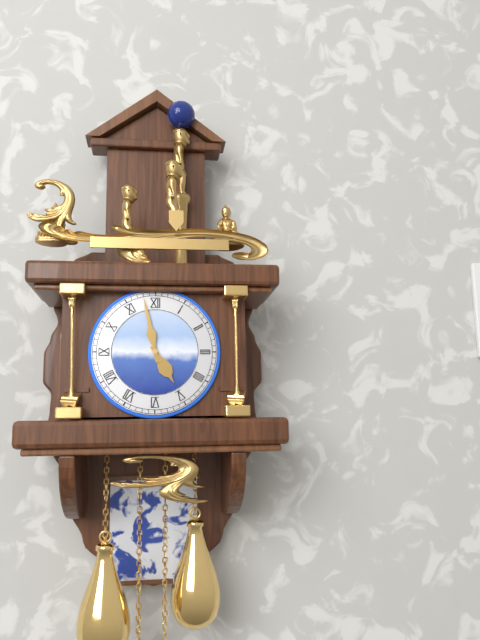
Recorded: 4.58
